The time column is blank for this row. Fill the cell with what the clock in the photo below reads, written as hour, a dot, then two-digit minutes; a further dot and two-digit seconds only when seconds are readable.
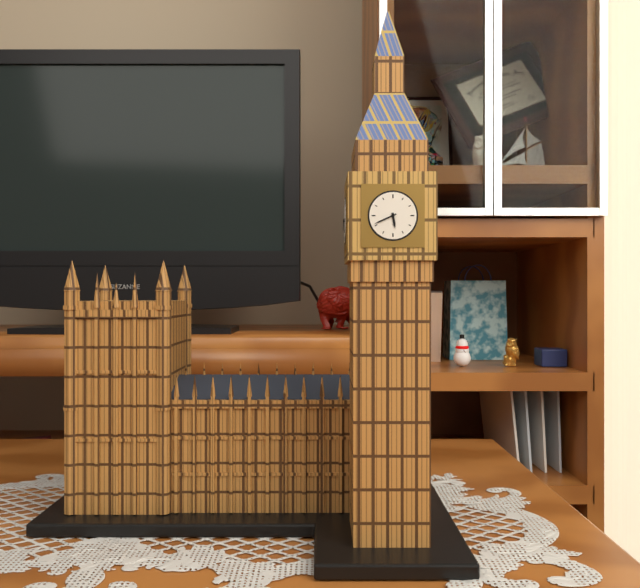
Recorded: 5.41
